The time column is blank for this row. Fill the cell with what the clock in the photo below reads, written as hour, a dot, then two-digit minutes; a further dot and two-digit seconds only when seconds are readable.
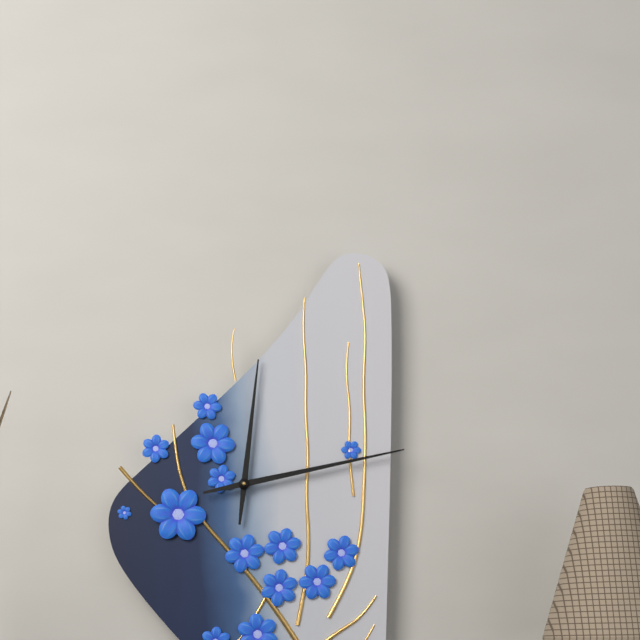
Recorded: 12.13
